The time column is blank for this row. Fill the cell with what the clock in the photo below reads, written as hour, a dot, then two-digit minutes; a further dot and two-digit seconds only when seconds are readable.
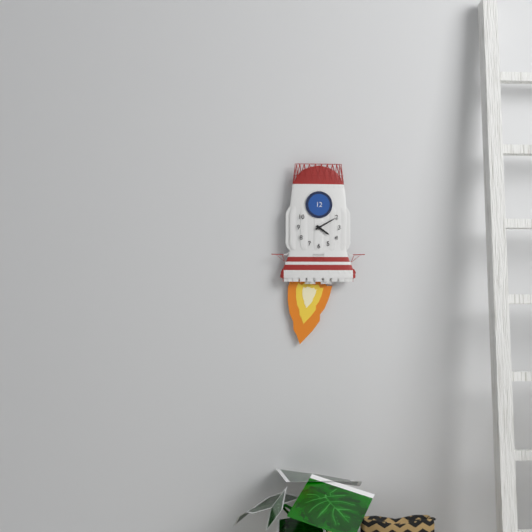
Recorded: 4.10
